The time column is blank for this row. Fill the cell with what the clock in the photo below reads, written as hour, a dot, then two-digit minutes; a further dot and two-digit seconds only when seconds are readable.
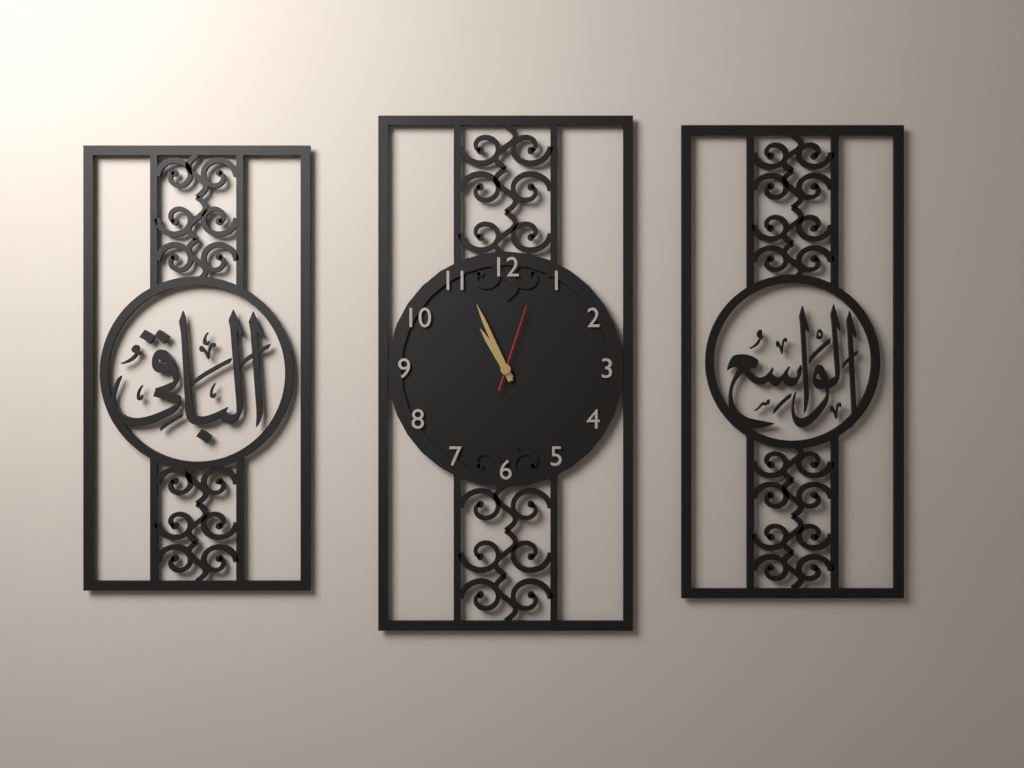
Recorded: 10.56.03
